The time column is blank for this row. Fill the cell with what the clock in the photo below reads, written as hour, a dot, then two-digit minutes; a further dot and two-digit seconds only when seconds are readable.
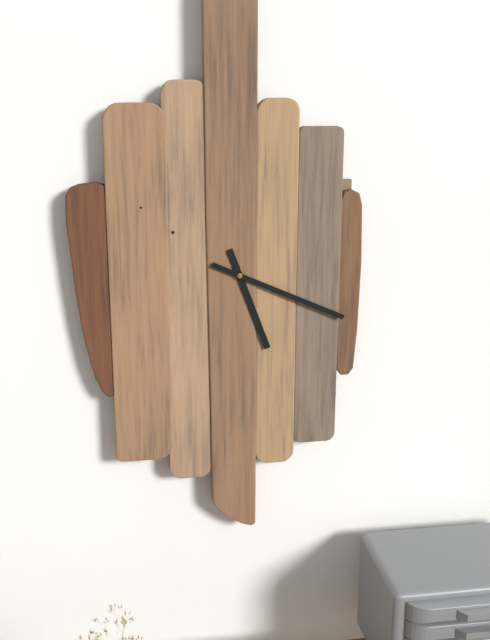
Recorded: 5.19
